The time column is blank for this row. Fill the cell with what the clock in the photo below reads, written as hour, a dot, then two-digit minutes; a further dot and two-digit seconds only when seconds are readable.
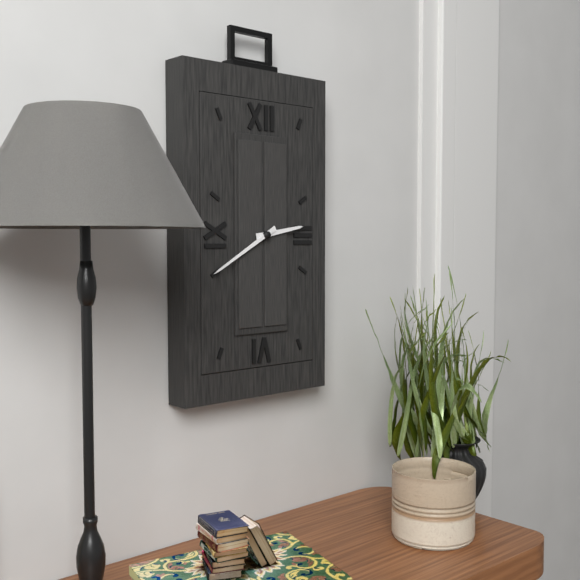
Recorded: 2.40
